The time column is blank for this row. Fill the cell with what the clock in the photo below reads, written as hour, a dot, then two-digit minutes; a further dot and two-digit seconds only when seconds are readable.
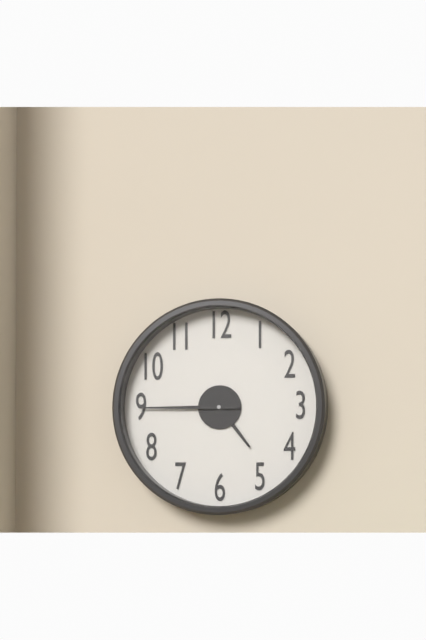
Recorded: 4.45
